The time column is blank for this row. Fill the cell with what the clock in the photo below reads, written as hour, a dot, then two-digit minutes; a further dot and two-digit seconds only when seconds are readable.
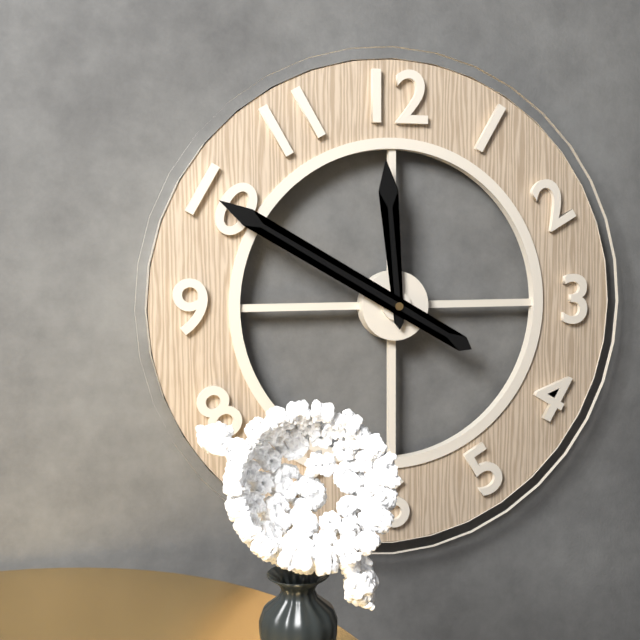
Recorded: 11.50
